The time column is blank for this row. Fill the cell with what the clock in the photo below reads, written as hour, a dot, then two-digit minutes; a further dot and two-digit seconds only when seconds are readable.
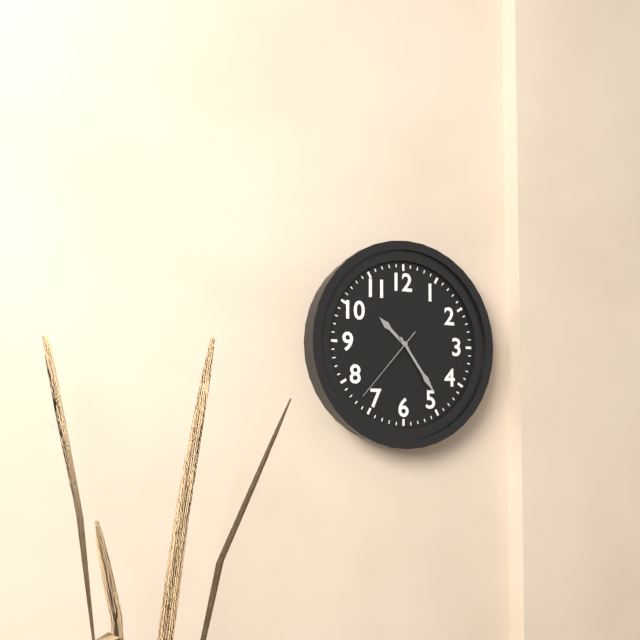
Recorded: 10.24.37
